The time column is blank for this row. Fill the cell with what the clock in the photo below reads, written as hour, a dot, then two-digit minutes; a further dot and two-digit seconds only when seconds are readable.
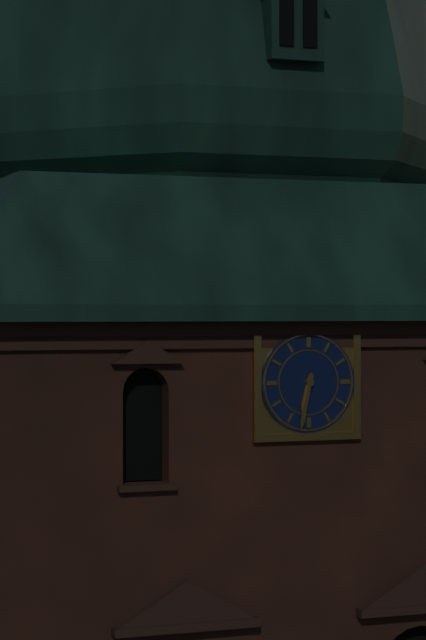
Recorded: 6.32
